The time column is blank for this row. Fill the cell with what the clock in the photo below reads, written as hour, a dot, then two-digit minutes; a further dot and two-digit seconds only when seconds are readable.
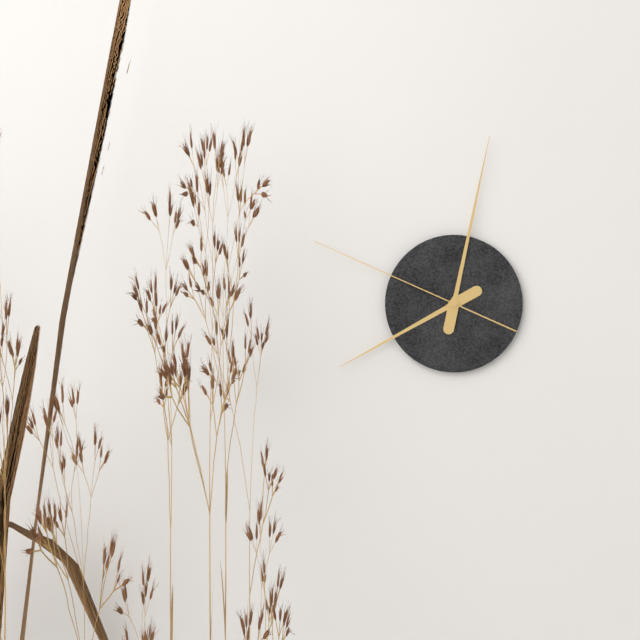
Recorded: 8.02.49
